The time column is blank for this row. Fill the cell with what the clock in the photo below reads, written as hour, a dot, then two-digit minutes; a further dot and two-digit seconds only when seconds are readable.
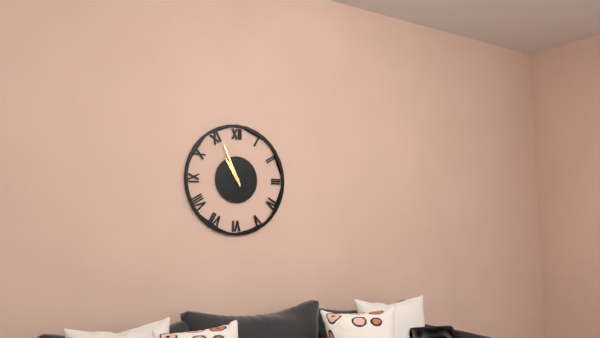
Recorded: 10.56
